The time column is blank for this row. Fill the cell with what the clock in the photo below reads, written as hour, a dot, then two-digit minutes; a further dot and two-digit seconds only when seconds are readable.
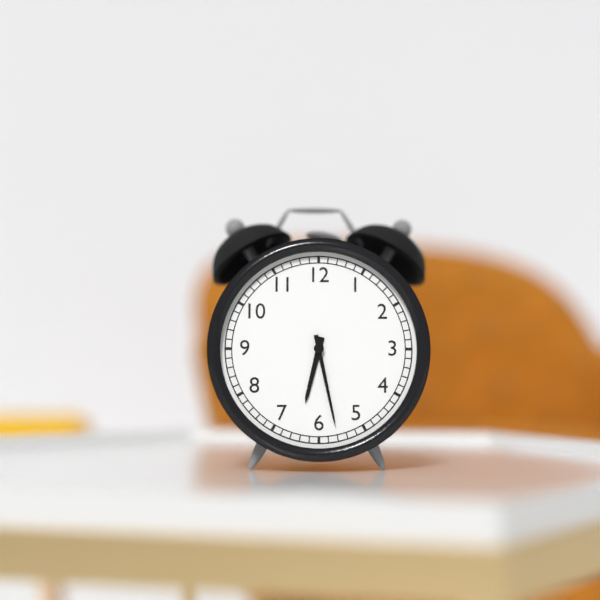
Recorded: 6.28
